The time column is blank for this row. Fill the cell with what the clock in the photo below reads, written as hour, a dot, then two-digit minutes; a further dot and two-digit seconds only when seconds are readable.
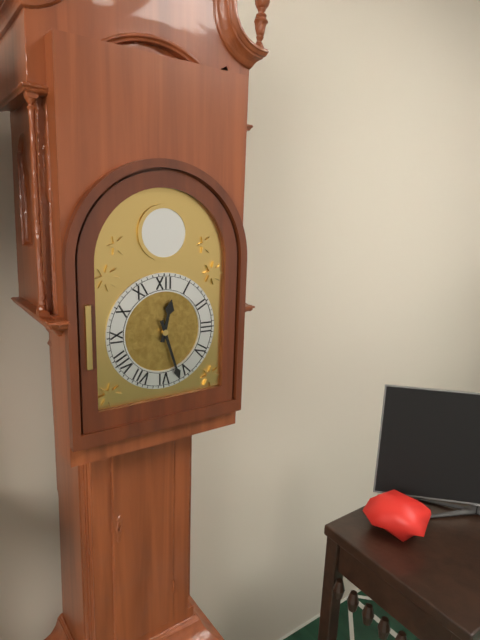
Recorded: 12.27
